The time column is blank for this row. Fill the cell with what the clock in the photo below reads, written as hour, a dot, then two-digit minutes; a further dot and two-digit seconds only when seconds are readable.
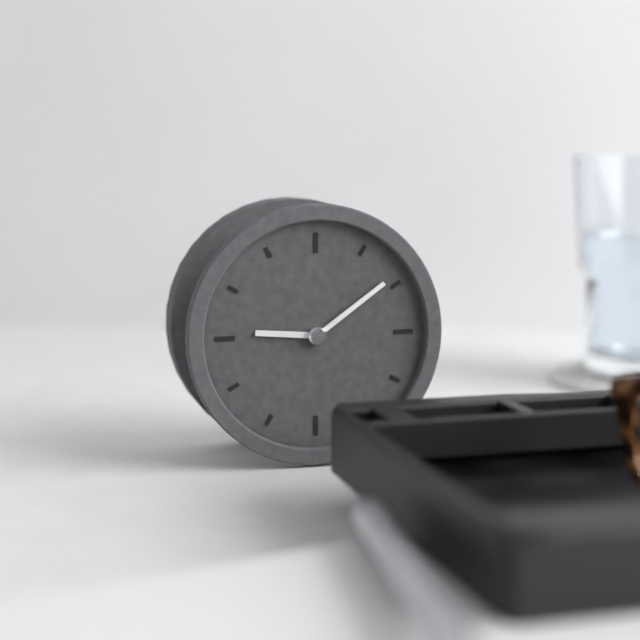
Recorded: 9.09
